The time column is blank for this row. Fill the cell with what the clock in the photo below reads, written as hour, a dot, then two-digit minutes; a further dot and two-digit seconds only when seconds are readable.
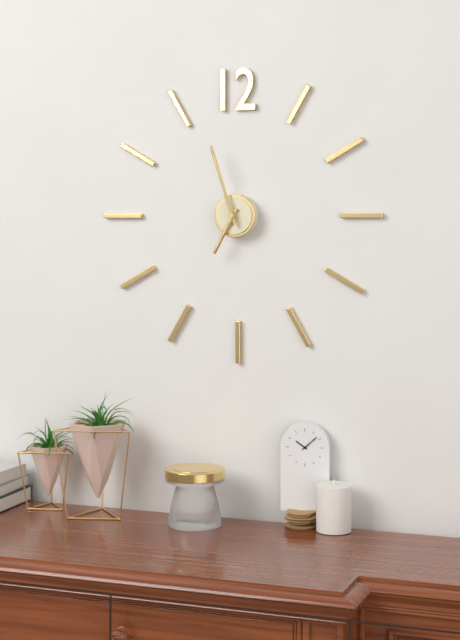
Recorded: 6.57
